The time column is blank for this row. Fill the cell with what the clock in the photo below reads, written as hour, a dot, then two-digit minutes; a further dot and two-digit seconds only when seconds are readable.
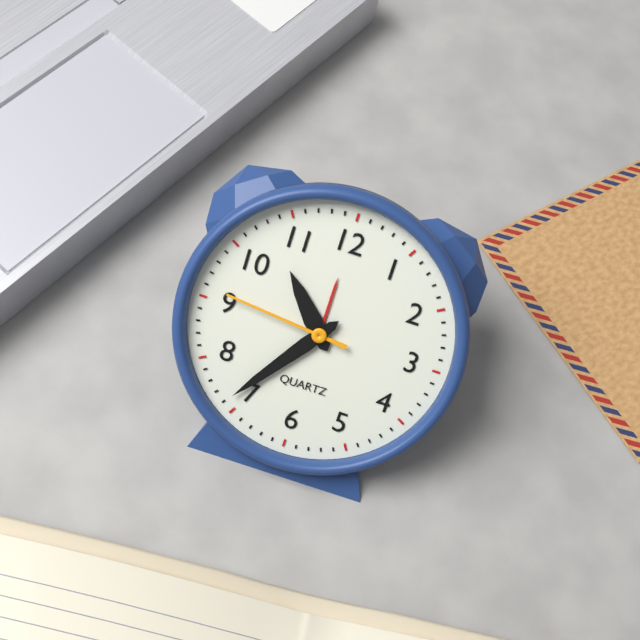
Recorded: 10.36.46
